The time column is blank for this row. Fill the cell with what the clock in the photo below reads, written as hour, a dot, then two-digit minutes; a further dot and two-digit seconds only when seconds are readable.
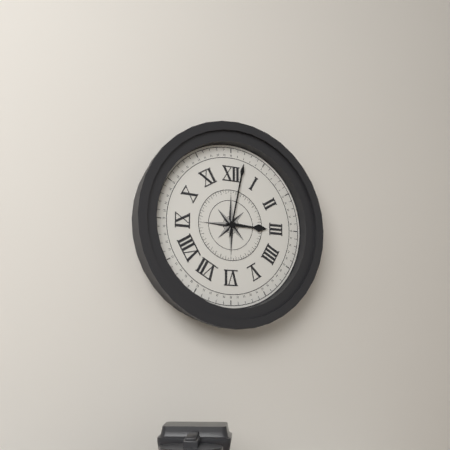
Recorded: 3.02
